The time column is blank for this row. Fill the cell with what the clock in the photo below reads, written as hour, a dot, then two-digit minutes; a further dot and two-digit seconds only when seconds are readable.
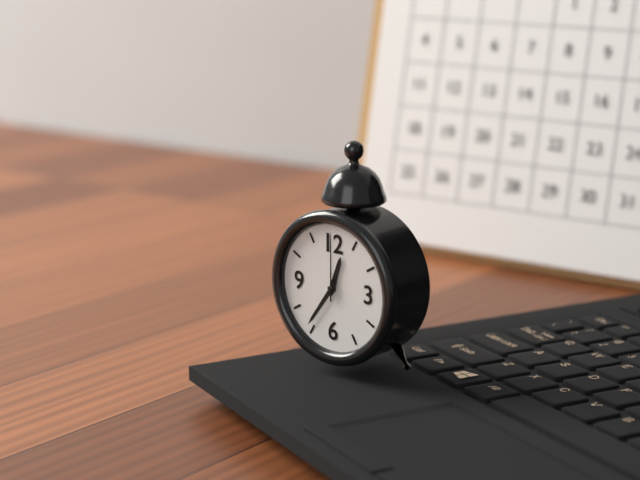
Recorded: 12.36.00
